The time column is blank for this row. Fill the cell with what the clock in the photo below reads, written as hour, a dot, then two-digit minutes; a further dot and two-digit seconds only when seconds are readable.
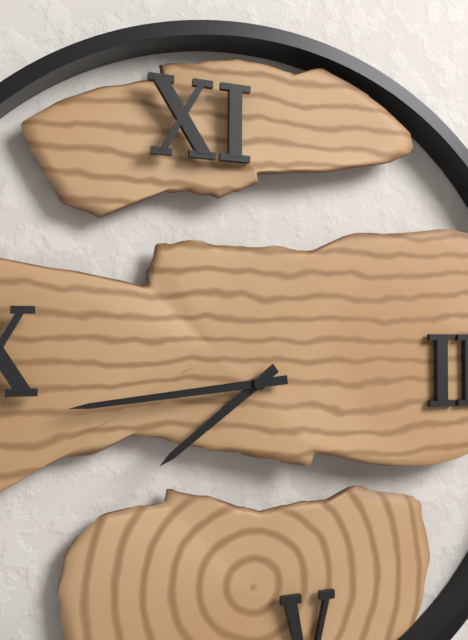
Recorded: 7.44
